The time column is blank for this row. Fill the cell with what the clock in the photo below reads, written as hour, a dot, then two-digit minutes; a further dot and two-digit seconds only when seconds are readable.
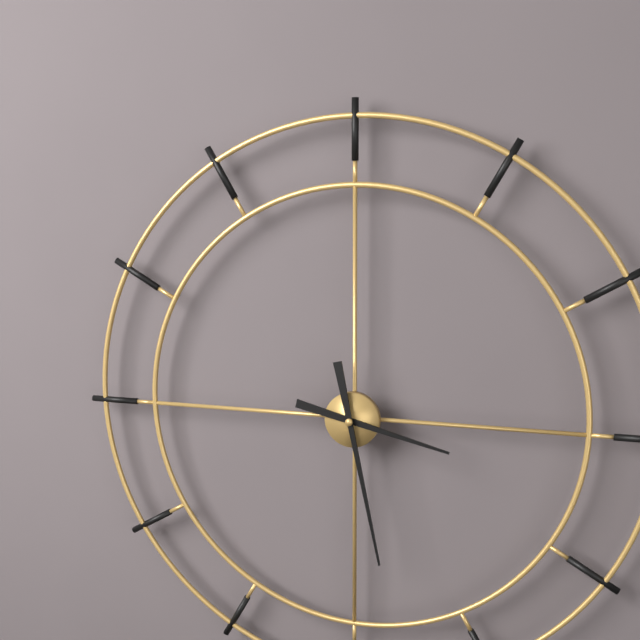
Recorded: 3.28
